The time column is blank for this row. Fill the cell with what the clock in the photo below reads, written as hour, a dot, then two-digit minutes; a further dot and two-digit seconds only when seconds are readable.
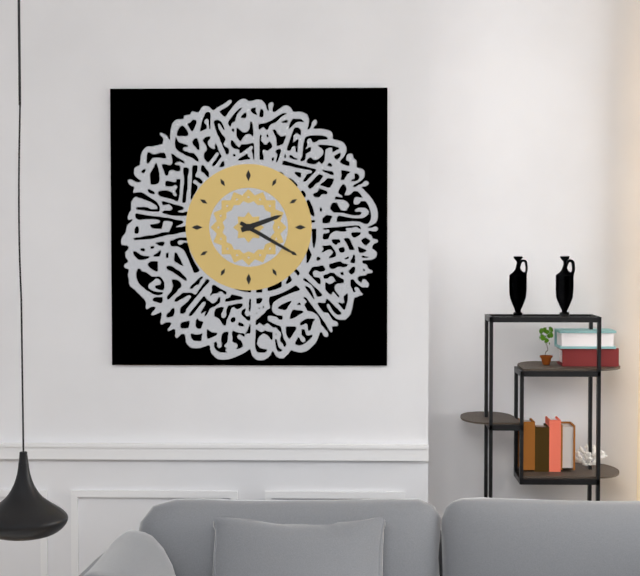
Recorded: 2.20
